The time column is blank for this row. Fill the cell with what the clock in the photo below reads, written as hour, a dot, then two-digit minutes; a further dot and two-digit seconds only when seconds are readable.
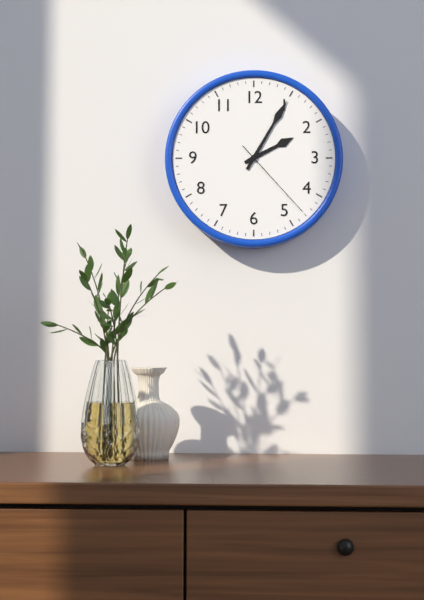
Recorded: 2.05.23
